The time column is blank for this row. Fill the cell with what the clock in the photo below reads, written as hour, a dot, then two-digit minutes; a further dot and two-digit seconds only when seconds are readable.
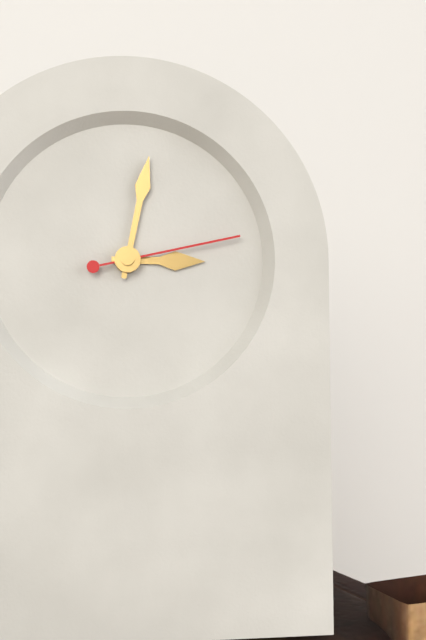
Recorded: 3.02.13
